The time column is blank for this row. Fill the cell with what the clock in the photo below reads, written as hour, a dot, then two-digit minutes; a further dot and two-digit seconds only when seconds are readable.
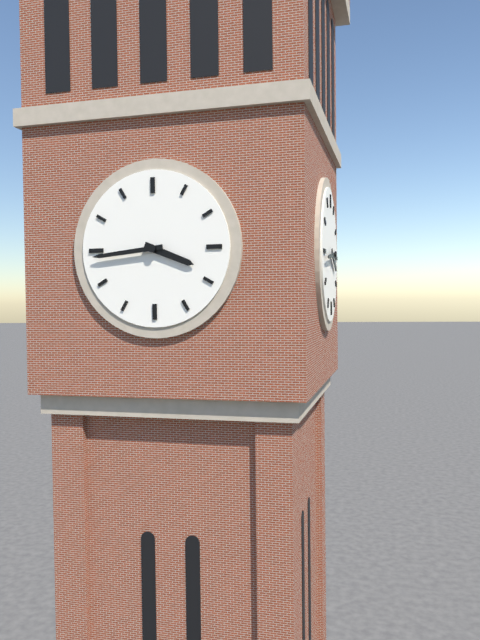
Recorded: 3.44
